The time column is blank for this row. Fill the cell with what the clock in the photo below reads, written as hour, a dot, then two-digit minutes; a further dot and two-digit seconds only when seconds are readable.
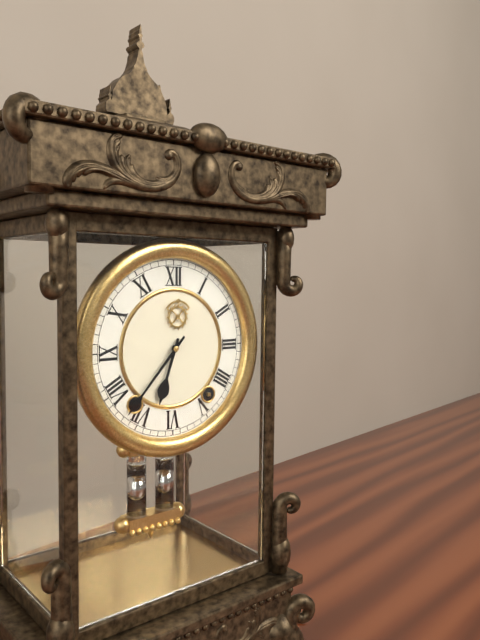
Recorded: 6.37
